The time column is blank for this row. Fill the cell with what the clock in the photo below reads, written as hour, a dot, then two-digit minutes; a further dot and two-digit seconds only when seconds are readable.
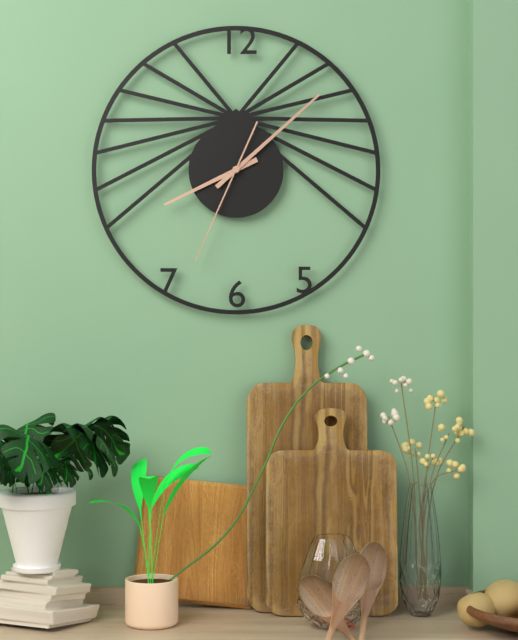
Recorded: 8.08.34
